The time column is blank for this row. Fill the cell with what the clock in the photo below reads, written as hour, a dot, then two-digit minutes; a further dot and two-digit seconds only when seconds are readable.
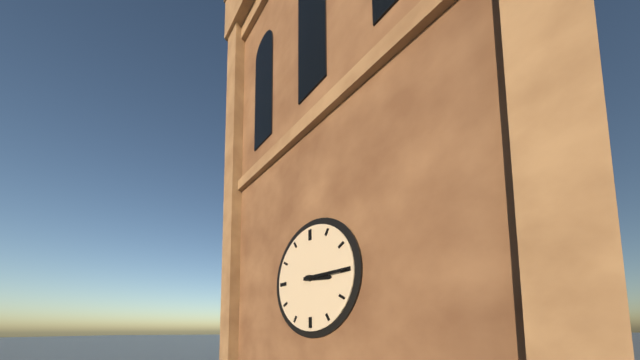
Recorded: 3.15
